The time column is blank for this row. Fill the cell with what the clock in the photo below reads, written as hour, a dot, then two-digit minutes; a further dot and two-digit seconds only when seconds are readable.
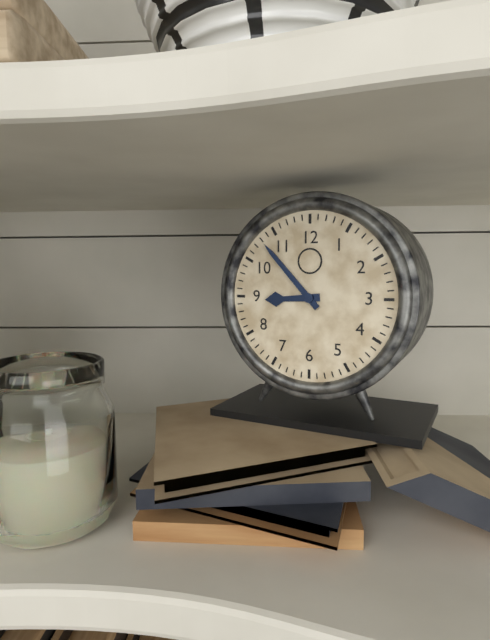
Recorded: 8.53
